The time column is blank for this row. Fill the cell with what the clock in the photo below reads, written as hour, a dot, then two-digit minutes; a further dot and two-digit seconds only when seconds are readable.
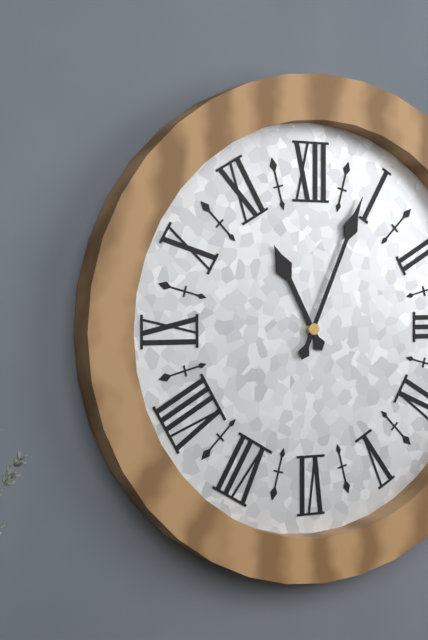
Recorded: 11.04
